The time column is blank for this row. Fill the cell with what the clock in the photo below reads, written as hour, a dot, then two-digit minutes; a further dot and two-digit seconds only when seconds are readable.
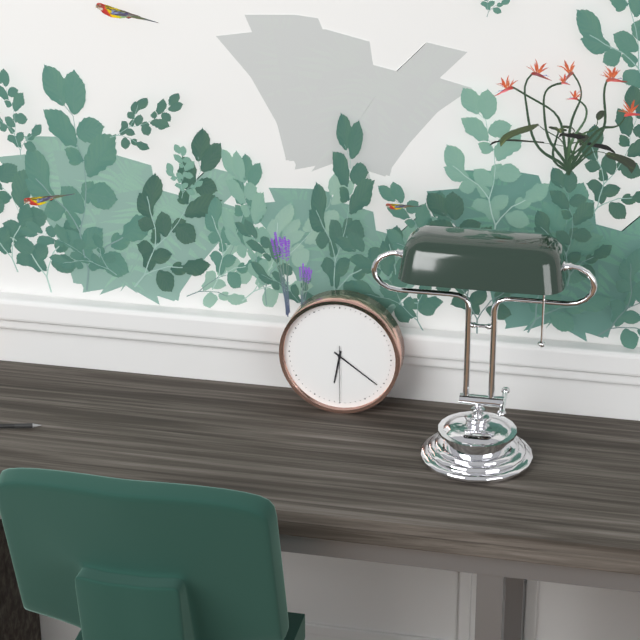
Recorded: 6.21.30
